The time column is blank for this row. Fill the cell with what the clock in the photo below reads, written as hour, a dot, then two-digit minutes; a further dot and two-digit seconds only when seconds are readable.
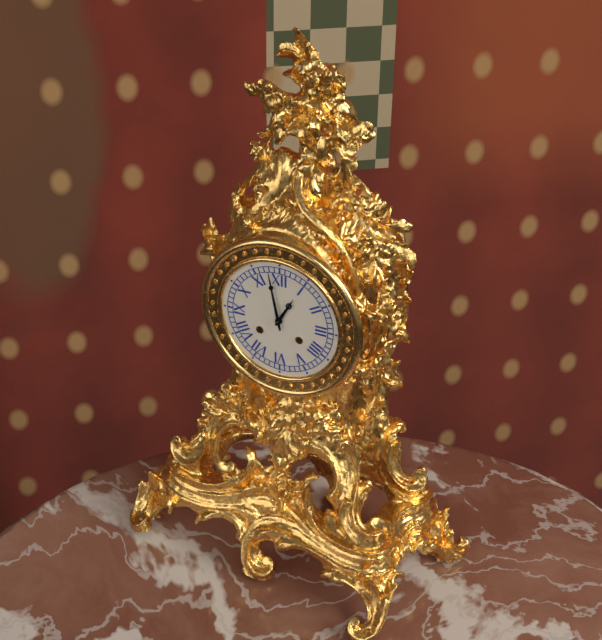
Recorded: 12.58
